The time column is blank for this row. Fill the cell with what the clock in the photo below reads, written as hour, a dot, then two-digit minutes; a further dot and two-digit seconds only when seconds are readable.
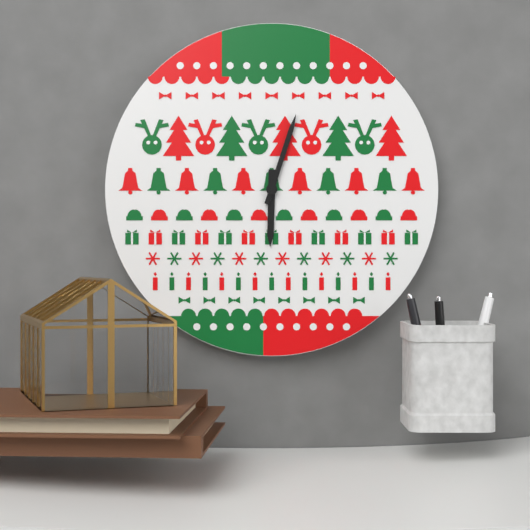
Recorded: 6.03
